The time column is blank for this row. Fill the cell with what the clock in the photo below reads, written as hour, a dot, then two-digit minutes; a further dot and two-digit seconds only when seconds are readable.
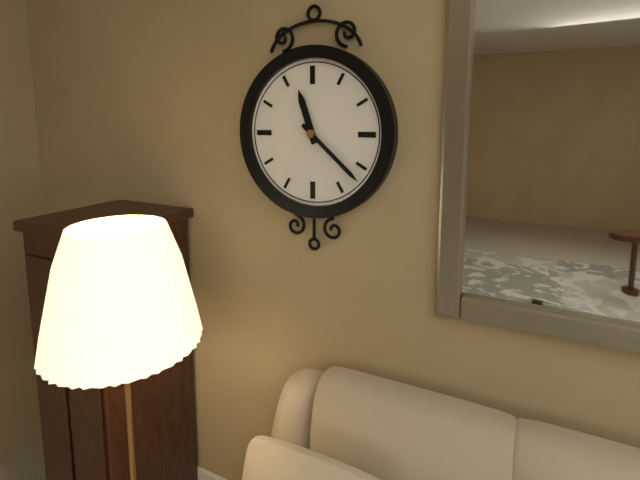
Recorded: 11.22
